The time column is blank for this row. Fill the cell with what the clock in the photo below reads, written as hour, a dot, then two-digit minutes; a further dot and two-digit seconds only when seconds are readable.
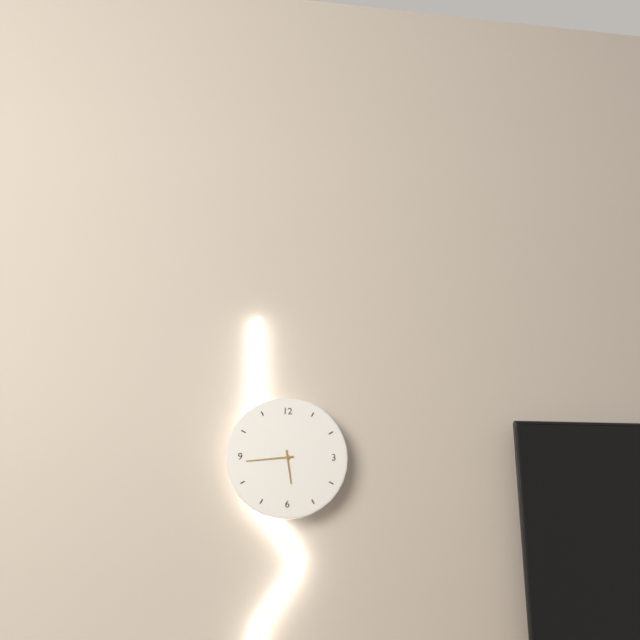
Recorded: 5.44
